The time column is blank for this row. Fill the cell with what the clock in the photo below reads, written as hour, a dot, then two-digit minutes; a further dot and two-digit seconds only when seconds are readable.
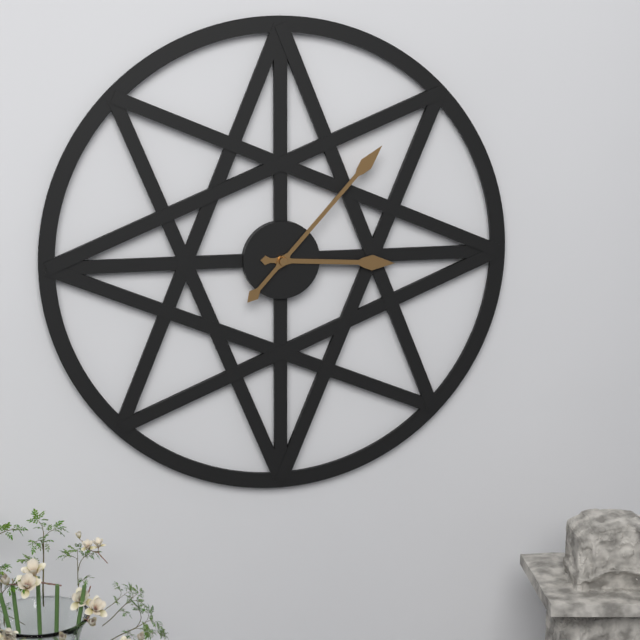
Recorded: 3.07
